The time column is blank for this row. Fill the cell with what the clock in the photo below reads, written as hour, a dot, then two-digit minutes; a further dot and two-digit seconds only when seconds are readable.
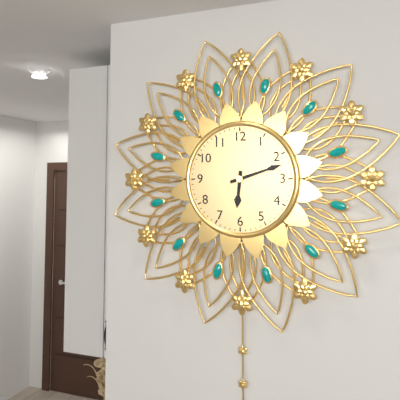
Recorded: 6.12
